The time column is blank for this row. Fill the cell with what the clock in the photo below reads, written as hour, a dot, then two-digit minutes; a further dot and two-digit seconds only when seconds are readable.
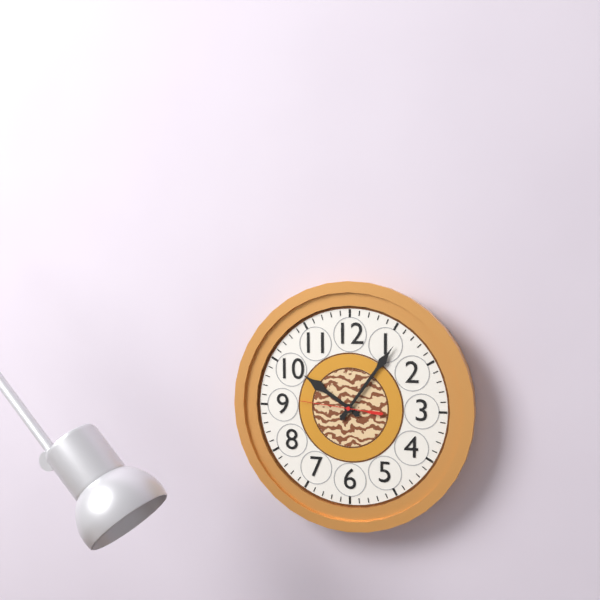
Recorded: 10.06.46
